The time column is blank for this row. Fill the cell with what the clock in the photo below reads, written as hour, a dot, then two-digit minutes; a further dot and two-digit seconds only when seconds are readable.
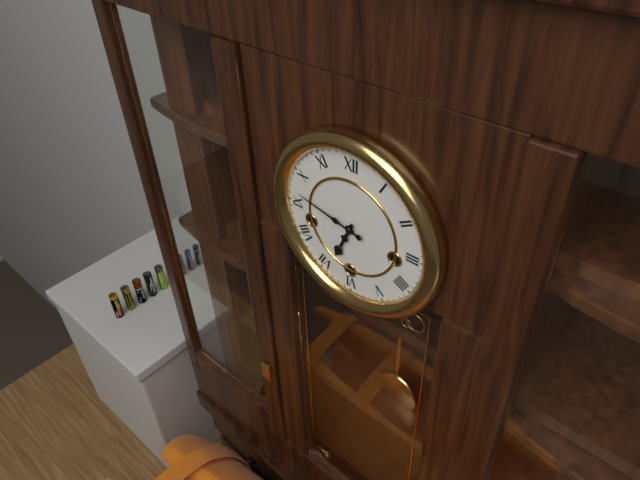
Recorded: 6.47
